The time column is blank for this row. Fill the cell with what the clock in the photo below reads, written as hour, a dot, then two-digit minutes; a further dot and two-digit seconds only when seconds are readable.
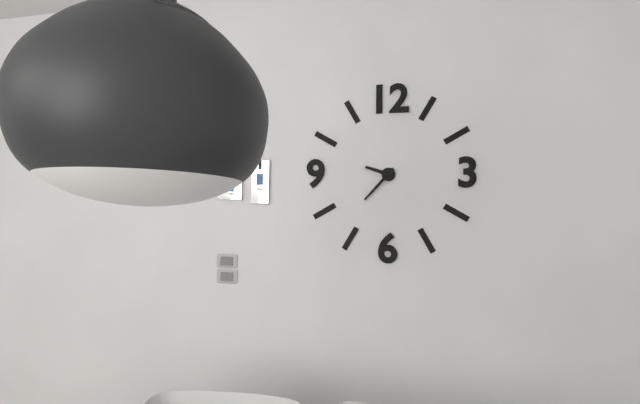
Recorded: 9.37
